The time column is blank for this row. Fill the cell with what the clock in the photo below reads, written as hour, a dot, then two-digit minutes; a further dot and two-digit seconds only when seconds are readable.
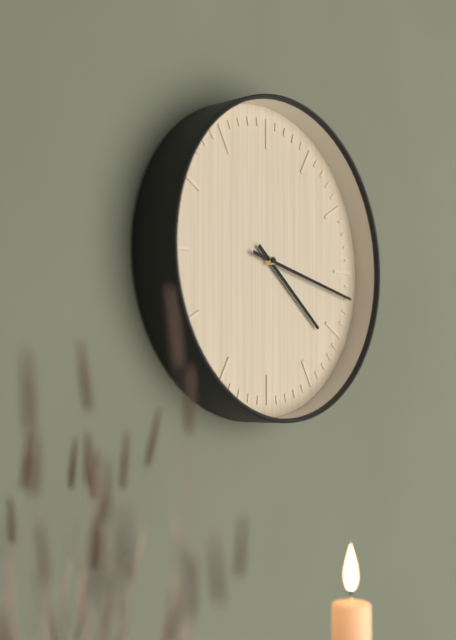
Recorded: 4.17
